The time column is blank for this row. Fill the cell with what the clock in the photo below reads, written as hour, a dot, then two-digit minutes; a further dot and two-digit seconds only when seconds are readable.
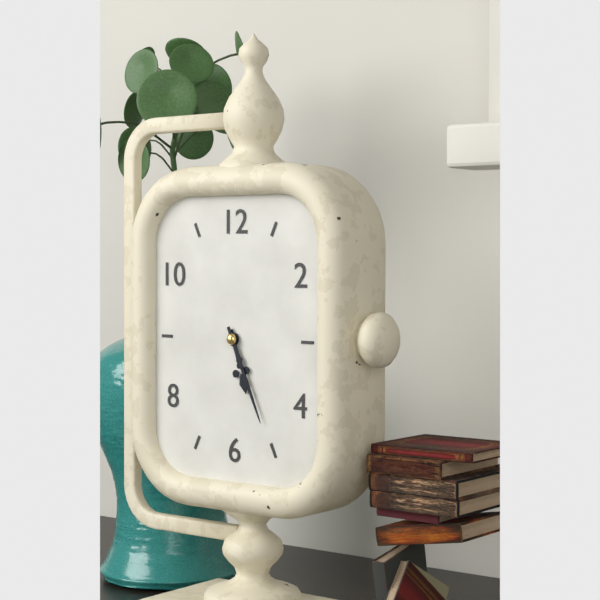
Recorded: 5.26
